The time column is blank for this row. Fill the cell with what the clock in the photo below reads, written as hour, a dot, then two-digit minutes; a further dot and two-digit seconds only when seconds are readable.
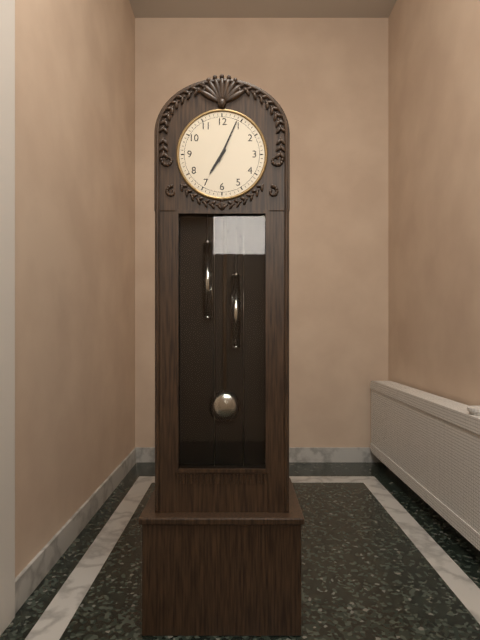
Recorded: 7.04
